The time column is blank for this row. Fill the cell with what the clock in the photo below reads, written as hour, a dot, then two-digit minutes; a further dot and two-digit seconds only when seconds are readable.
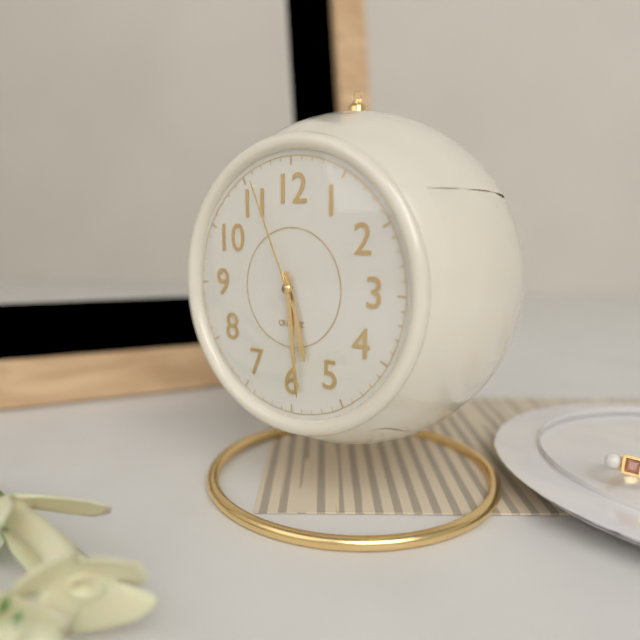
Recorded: 5.29.56
